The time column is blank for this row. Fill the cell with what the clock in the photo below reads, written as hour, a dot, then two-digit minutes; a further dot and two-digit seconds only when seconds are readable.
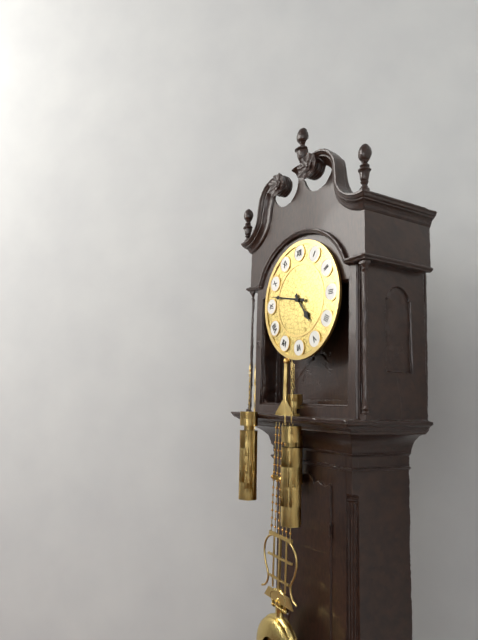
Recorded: 4.47
